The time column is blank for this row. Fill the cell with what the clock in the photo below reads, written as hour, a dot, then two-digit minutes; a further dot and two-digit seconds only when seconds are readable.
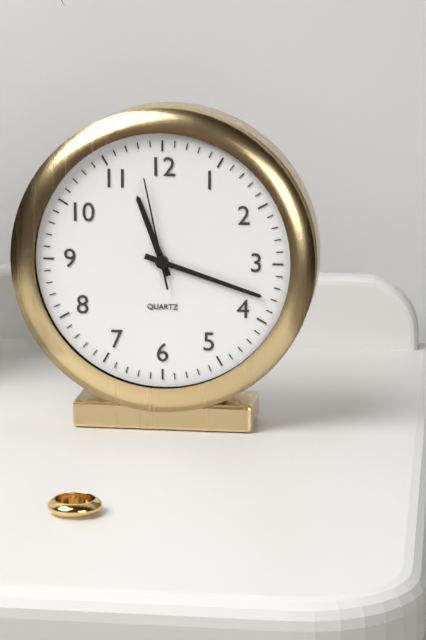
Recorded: 11.18.58
